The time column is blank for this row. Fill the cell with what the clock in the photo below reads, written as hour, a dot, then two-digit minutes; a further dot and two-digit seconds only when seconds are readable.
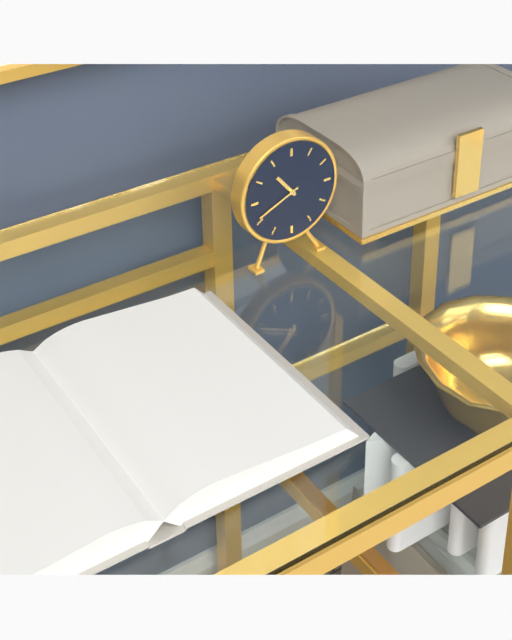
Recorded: 10.41
